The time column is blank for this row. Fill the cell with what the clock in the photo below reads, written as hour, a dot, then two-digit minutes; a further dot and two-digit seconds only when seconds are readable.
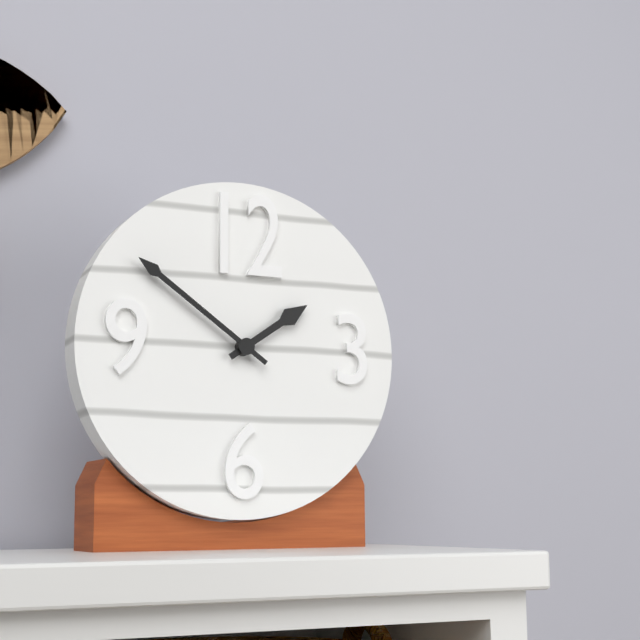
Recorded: 1.51
